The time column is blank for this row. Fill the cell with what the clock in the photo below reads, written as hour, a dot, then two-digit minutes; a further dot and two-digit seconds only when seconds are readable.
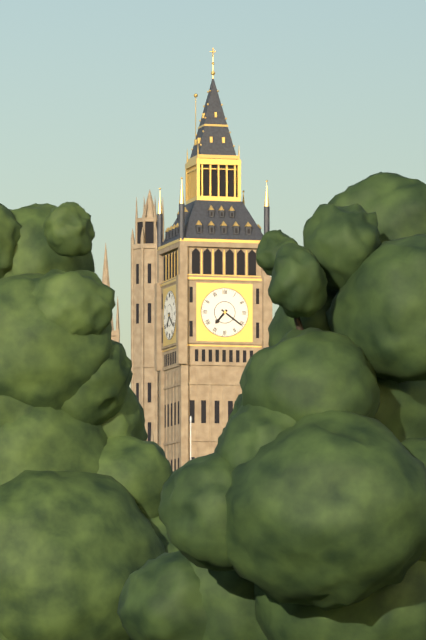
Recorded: 7.21
